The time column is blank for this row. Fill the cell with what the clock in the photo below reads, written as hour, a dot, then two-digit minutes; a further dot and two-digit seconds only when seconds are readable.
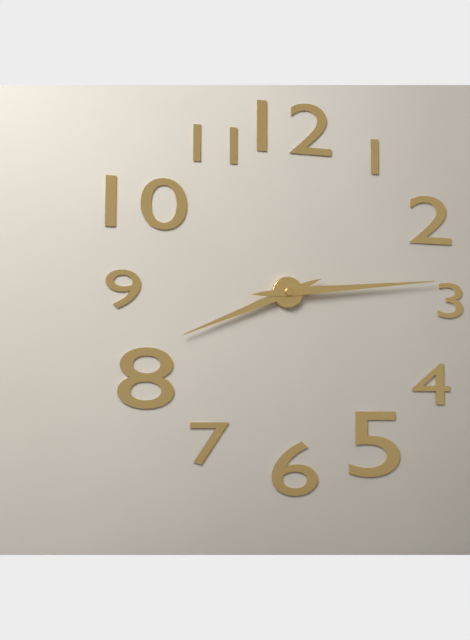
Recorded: 8.14
